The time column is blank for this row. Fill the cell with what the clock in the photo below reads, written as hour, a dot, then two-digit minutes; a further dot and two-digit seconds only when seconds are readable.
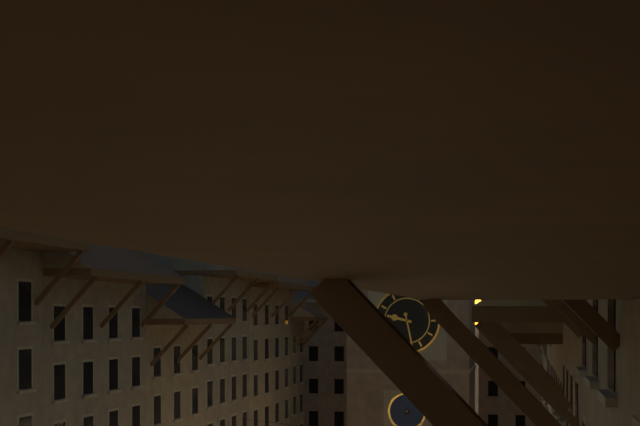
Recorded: 9.28
